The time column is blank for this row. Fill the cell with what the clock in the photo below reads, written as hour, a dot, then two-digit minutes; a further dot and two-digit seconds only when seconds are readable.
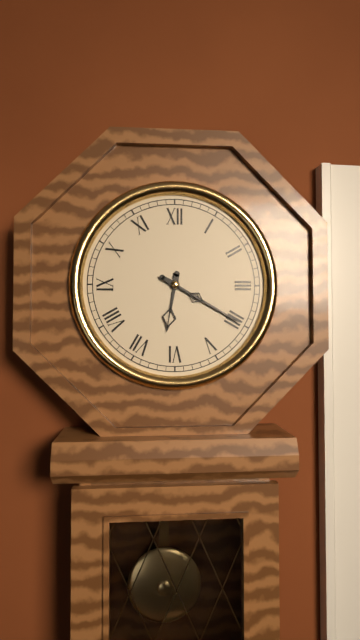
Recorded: 6.20
